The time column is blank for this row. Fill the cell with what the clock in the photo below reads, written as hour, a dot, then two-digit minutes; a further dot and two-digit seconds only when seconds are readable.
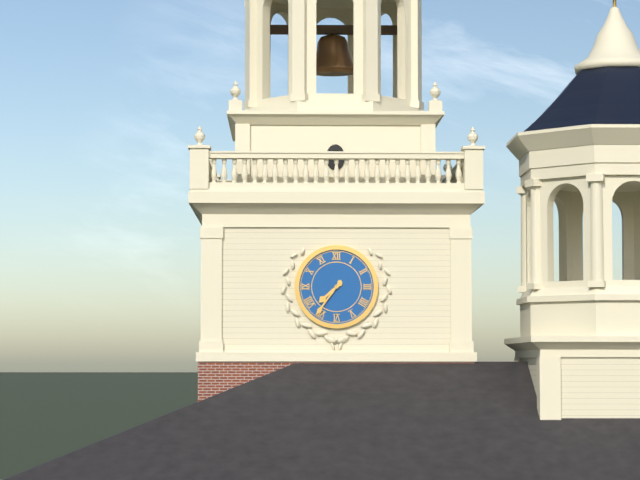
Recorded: 7.36
